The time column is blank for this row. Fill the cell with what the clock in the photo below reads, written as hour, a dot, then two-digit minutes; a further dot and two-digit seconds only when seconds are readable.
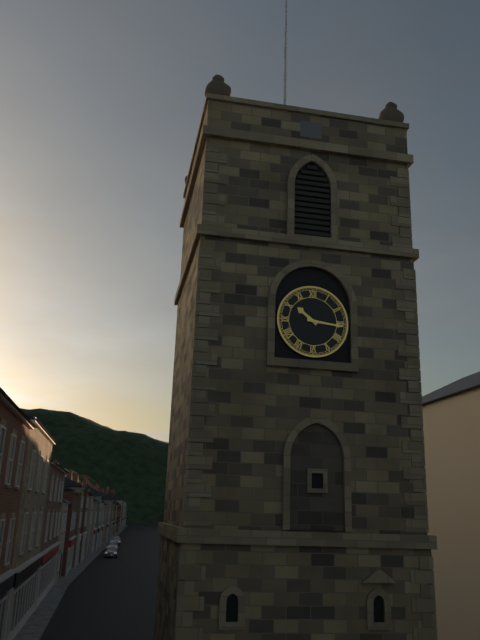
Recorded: 10.16
